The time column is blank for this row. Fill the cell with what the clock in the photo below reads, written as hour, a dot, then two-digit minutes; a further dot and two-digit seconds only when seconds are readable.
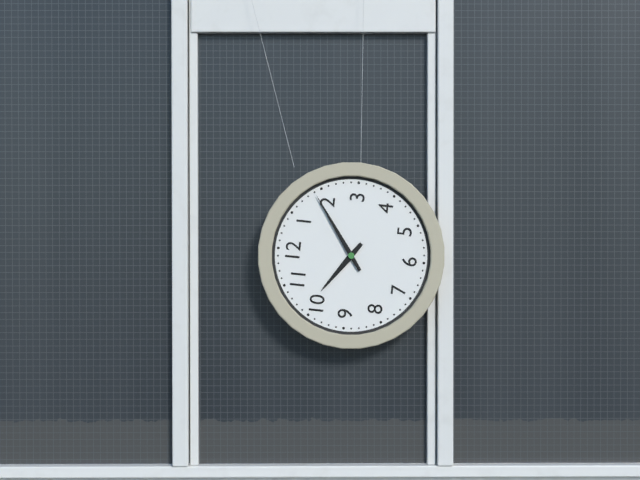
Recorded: 10.09
